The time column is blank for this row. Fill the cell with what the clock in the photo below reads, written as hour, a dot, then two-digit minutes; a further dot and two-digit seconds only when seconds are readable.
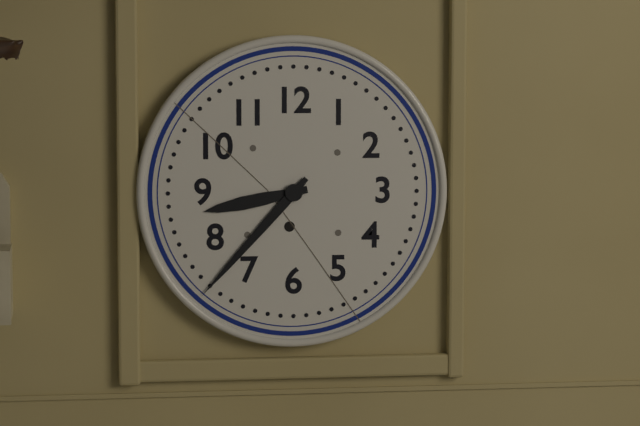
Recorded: 8.37
